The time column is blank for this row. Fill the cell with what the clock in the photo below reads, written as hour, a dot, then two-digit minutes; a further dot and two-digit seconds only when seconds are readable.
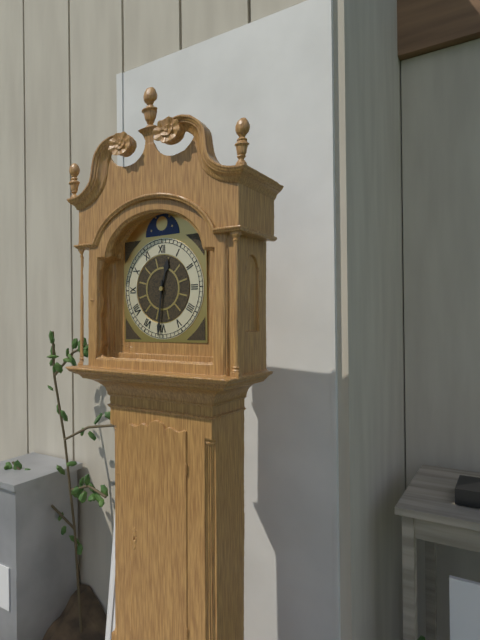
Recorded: 12.31
